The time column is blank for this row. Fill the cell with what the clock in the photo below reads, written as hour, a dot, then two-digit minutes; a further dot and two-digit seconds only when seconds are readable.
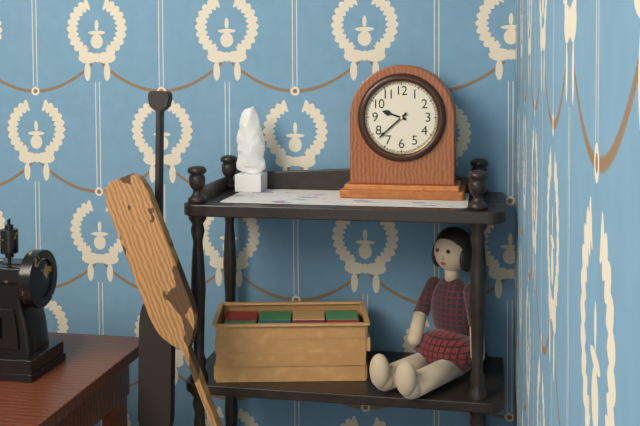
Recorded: 9.38
